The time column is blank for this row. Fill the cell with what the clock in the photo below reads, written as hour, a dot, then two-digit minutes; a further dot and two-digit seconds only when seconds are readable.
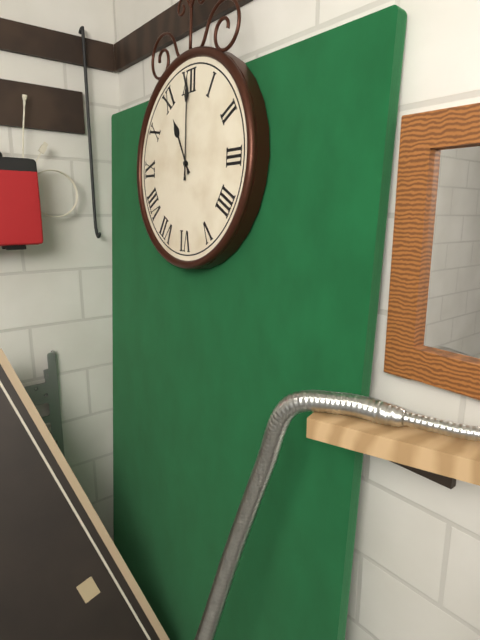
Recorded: 11.00
